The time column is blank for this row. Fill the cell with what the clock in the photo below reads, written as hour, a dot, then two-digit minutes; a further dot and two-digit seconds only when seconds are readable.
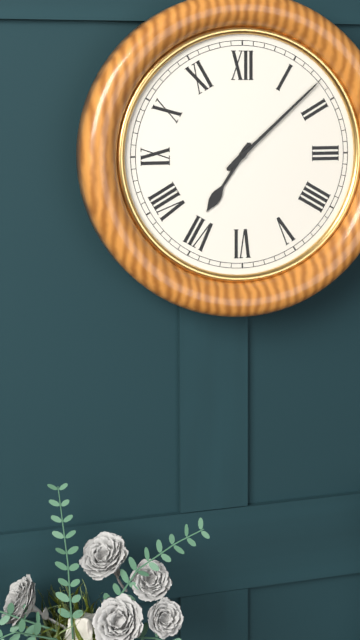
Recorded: 7.08
